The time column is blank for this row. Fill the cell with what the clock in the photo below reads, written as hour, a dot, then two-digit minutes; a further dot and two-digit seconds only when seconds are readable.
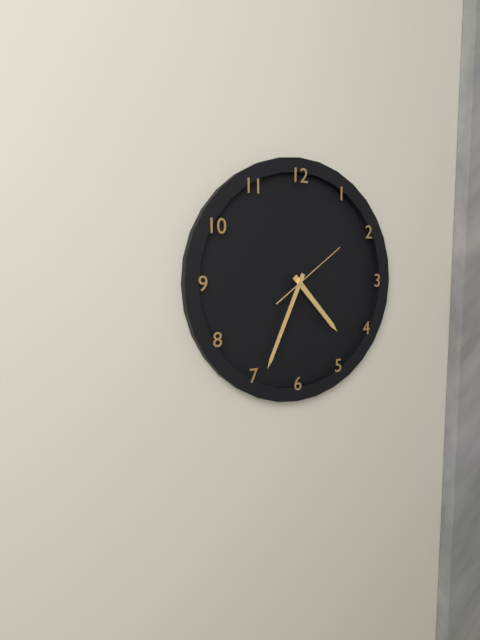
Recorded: 4.34.09
